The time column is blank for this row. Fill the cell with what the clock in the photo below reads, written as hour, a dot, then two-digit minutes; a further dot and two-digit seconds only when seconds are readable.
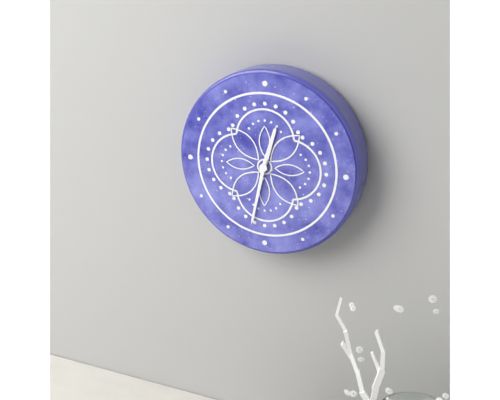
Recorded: 12.32
